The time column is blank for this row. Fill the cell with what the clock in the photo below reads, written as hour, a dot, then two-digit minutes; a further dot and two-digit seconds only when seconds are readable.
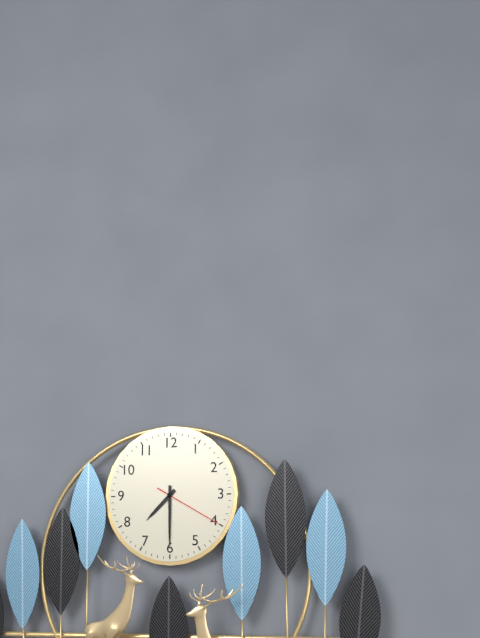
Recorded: 7.30.20
